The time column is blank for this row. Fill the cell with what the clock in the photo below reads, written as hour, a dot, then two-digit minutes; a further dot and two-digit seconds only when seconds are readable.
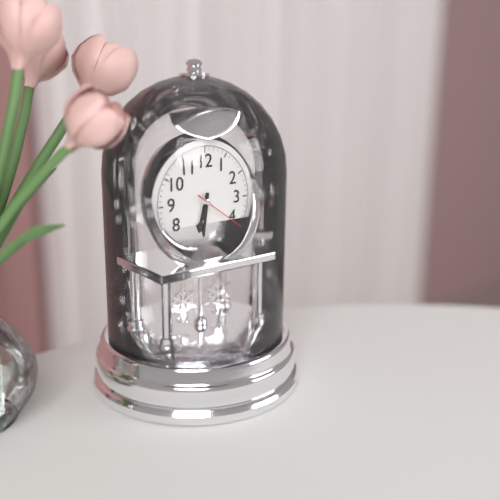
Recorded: 6.31.21
